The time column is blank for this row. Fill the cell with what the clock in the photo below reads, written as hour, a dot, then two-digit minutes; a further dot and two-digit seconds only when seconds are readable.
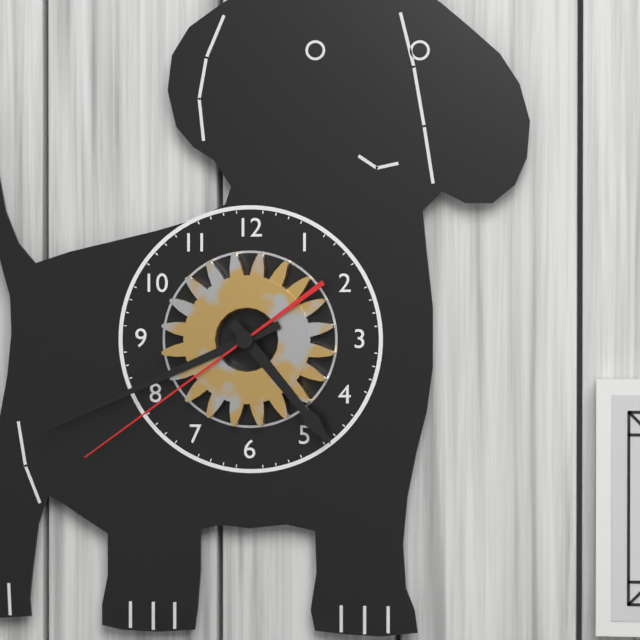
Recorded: 4.41.39
